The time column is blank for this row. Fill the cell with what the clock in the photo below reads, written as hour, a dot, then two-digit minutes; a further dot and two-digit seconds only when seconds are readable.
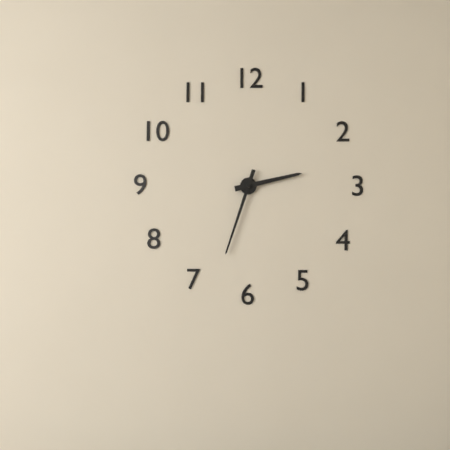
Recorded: 2.33
